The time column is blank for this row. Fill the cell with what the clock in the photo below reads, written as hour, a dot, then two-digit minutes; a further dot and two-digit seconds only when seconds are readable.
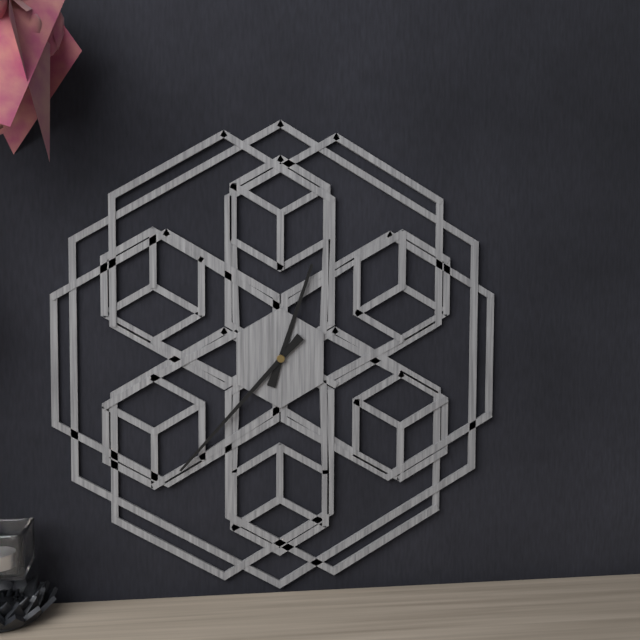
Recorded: 12.37
